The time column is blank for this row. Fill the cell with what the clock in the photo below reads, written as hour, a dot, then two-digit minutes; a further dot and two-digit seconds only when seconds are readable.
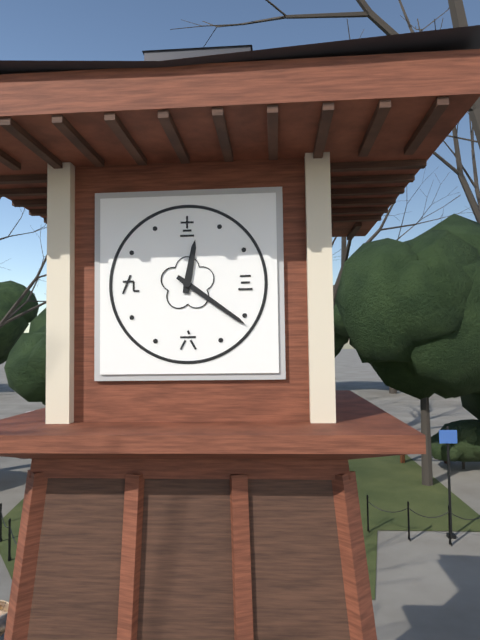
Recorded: 12.21
